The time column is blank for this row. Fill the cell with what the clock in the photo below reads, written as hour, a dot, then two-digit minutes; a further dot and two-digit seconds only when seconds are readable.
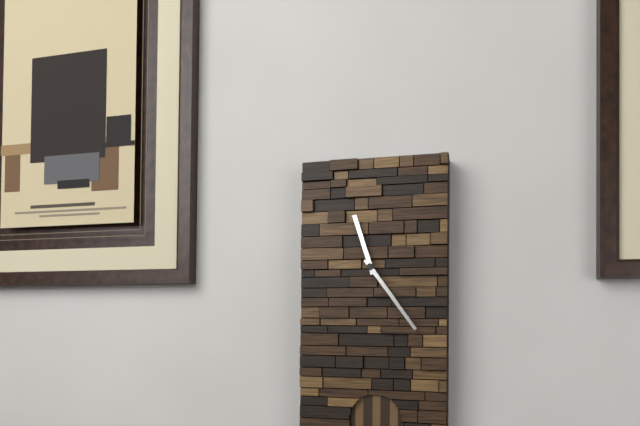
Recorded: 11.24
